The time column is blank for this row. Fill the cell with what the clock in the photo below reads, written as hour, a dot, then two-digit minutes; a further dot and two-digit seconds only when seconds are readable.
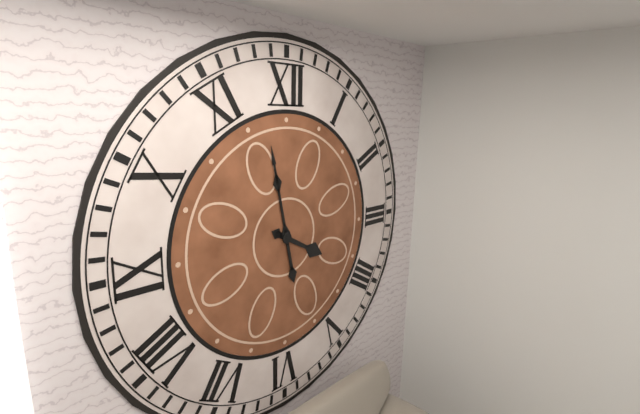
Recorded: 3.58
